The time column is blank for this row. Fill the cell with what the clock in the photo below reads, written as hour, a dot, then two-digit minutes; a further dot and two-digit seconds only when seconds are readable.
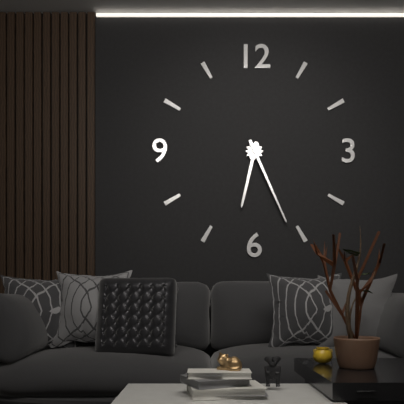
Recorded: 6.26
